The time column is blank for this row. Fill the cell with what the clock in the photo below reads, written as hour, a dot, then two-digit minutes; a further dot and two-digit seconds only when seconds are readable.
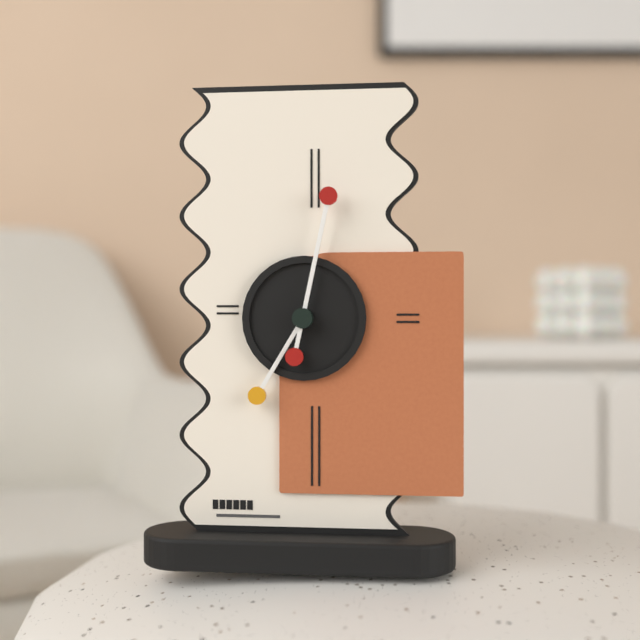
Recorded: 7.02
